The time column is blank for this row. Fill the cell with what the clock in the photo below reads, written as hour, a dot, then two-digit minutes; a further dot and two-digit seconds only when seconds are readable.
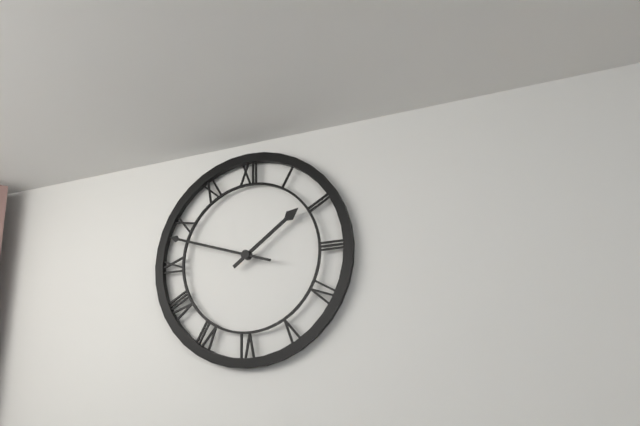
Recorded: 1.48
